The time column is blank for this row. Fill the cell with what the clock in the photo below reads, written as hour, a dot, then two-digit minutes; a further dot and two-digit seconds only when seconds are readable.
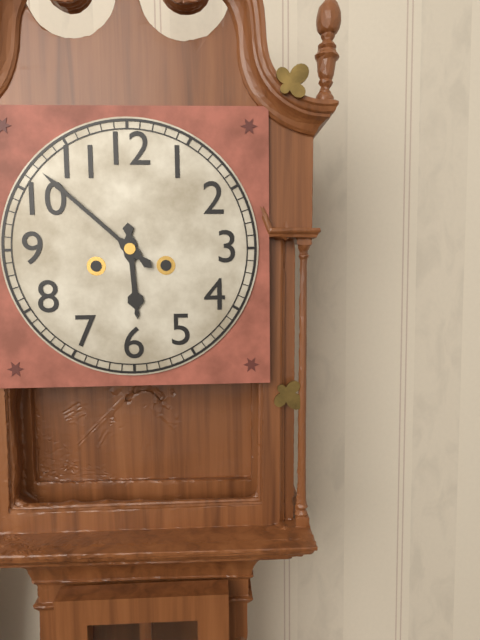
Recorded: 5.52
